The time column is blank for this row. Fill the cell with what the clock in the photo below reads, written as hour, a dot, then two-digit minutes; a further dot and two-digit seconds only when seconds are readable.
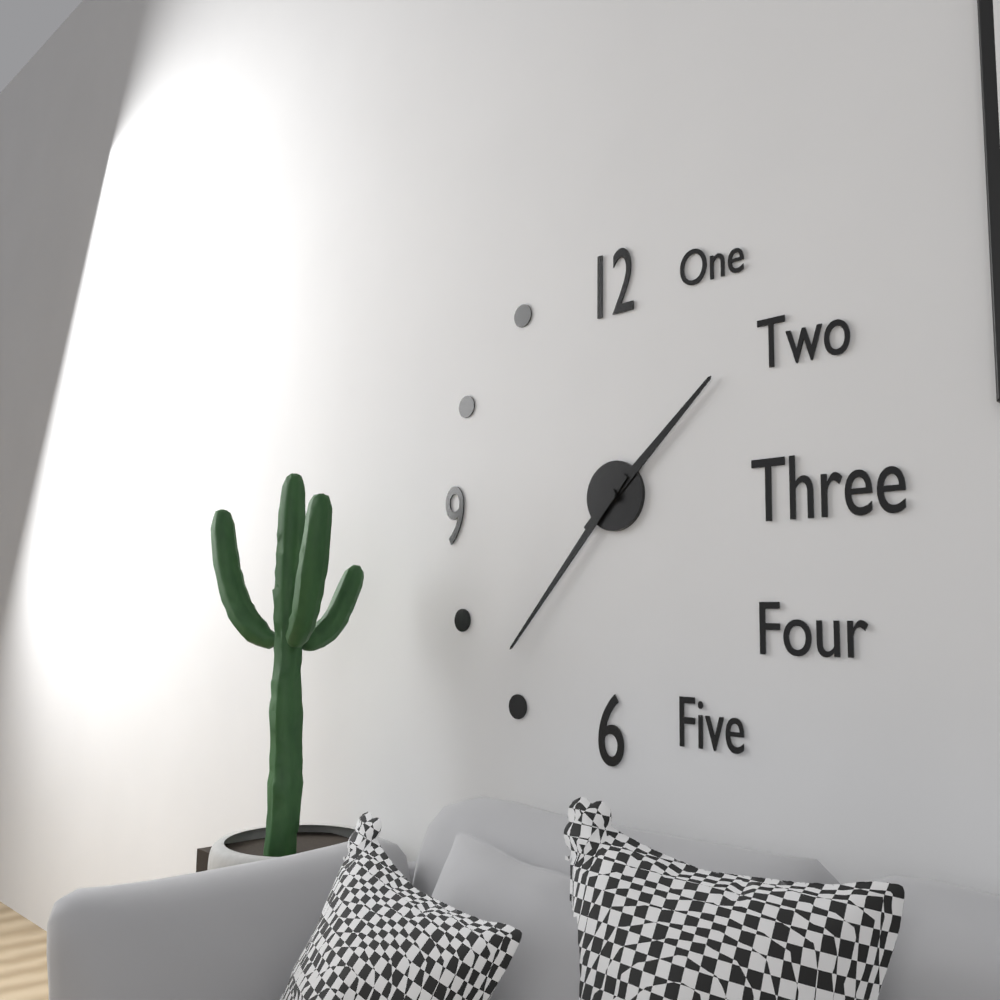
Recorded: 1.37
